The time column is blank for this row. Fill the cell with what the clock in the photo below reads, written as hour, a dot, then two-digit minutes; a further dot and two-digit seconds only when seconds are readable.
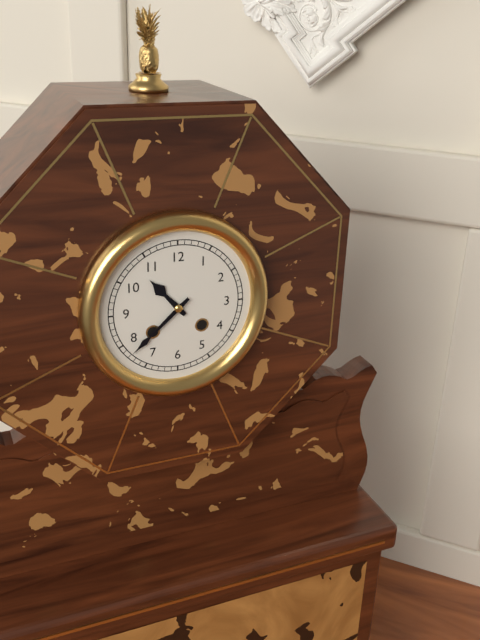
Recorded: 10.38
